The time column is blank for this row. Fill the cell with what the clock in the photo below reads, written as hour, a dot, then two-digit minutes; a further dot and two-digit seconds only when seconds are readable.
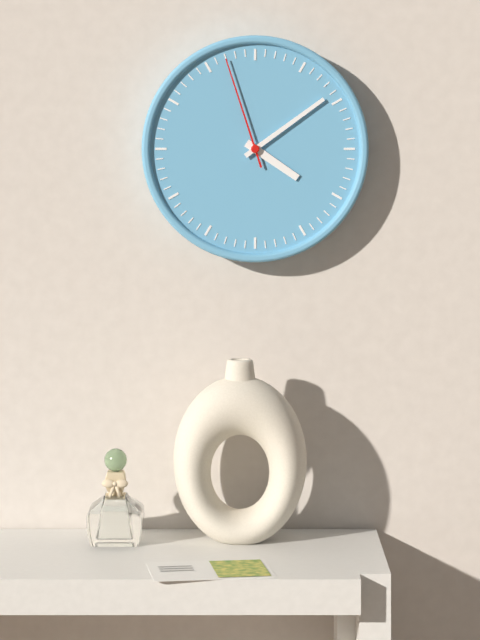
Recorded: 4.09.57
